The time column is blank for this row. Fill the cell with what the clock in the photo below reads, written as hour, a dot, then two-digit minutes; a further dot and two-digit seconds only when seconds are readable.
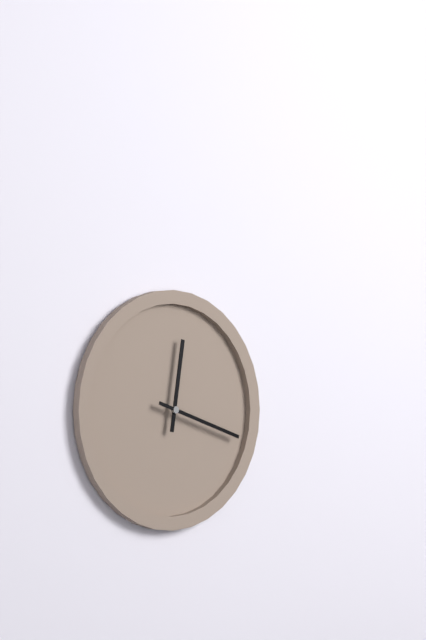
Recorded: 12.18
